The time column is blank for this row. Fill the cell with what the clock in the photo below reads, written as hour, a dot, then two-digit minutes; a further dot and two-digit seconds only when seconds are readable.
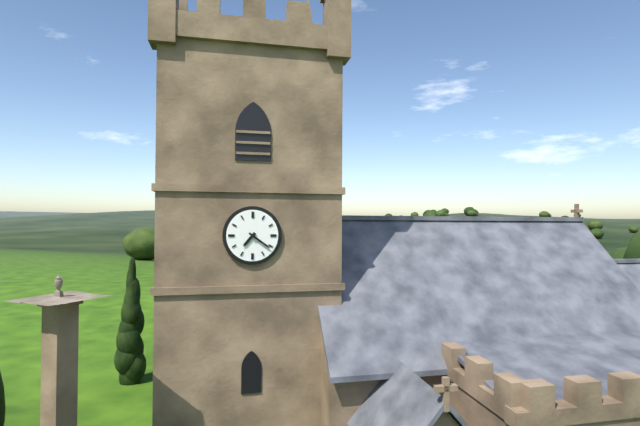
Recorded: 7.21
